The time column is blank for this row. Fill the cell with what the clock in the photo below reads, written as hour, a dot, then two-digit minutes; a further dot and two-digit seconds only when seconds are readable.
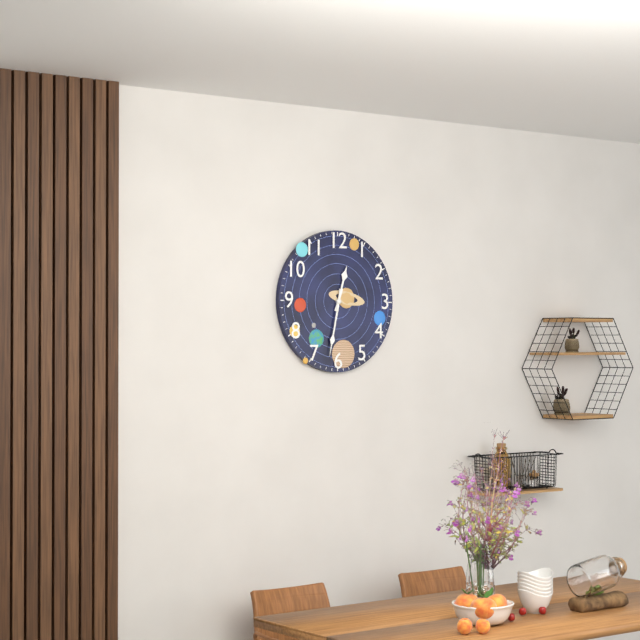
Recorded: 12.32
